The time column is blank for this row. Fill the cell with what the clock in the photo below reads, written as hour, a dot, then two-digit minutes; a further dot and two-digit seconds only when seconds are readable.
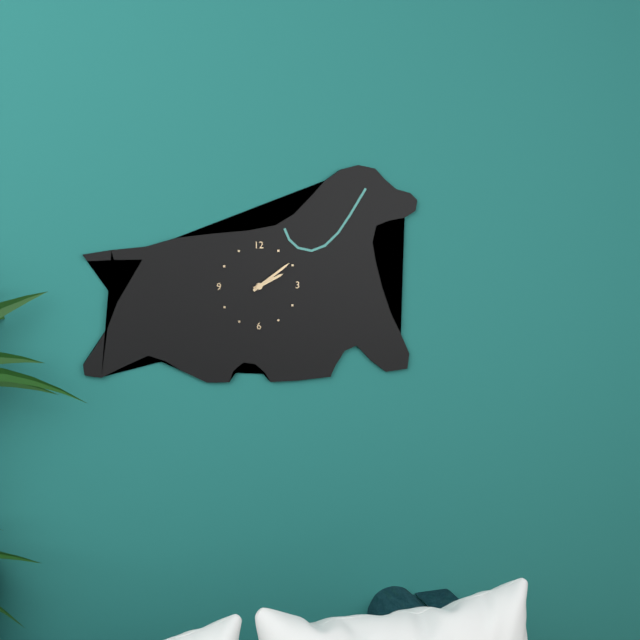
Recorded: 2.09
